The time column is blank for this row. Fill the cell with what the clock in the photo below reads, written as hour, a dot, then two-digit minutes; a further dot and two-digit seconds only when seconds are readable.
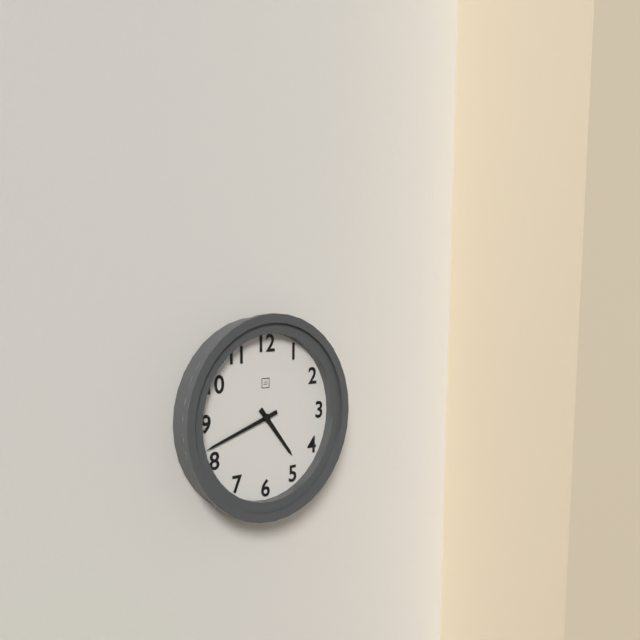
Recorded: 4.42
